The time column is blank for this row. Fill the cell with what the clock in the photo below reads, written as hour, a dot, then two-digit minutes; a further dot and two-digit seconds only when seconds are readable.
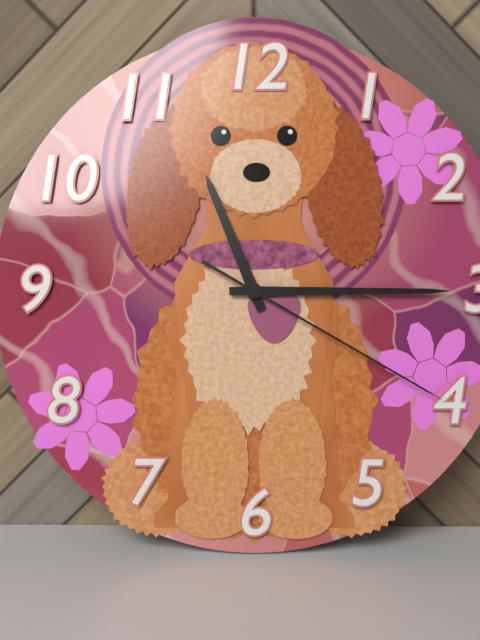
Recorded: 11.15.20
